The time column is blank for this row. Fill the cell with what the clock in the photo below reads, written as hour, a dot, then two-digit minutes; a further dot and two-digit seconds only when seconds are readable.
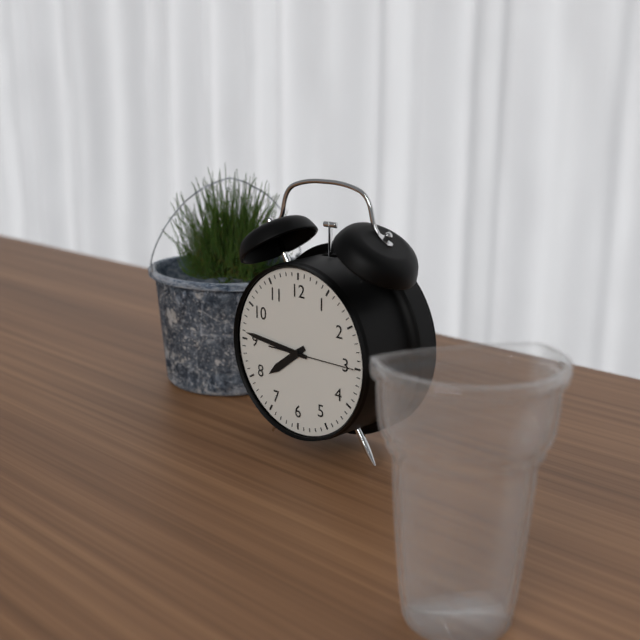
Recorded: 7.46.15
